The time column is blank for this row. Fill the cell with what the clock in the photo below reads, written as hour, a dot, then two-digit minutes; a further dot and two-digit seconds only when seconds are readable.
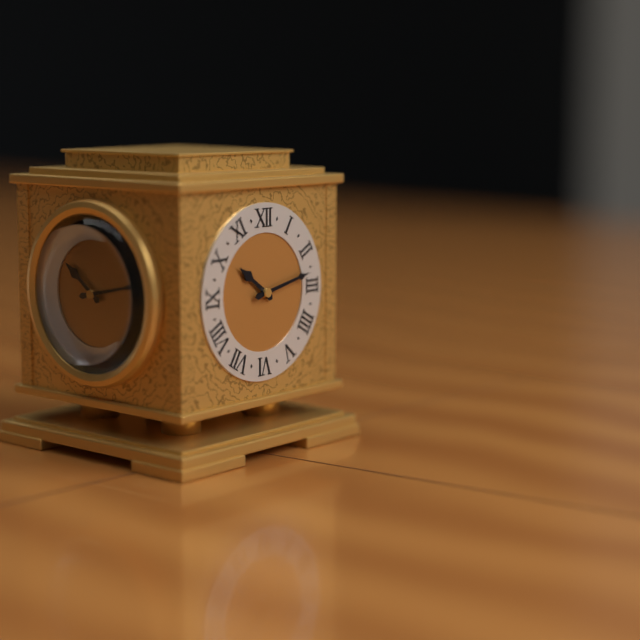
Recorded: 10.13
